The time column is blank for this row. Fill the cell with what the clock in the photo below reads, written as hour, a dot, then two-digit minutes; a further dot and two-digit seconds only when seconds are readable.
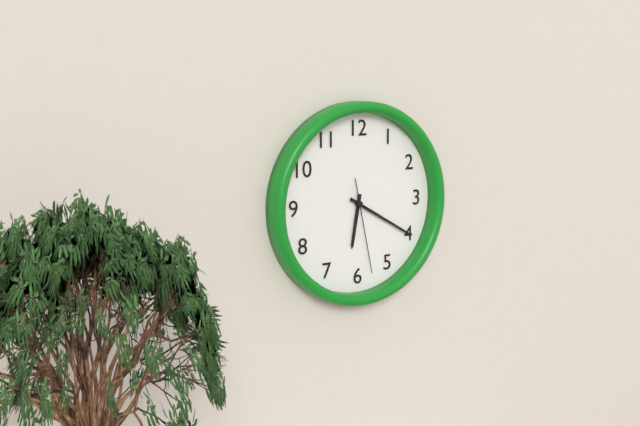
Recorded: 6.20.28
